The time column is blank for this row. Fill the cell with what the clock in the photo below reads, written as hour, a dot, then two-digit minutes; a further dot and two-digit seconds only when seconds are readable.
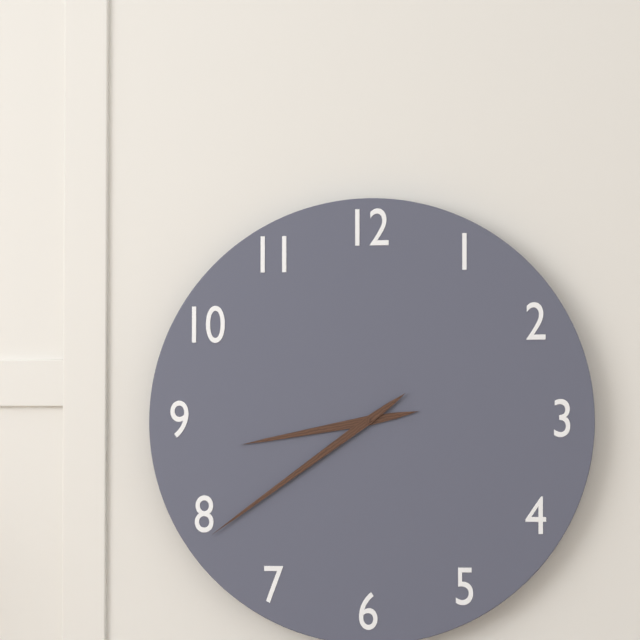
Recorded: 8.39
